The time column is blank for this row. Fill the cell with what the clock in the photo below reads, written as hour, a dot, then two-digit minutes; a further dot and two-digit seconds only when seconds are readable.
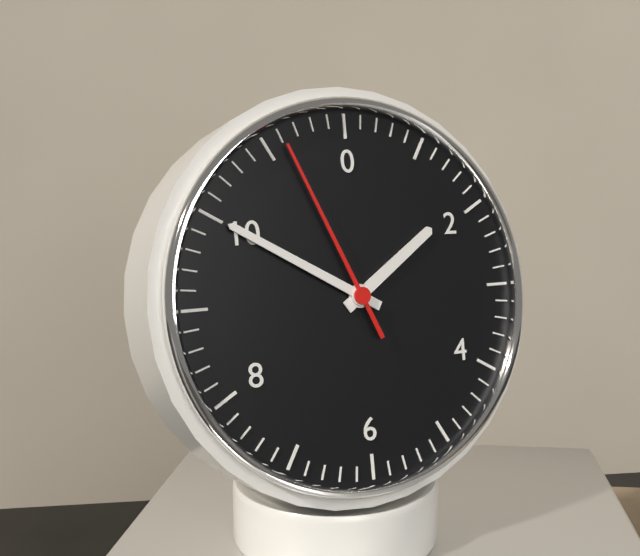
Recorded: 1.50.56
